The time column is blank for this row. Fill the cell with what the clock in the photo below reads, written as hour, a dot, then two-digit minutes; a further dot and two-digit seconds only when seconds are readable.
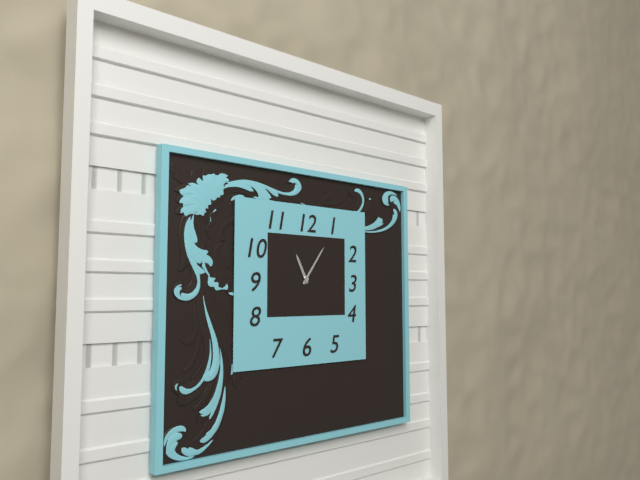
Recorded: 11.06
